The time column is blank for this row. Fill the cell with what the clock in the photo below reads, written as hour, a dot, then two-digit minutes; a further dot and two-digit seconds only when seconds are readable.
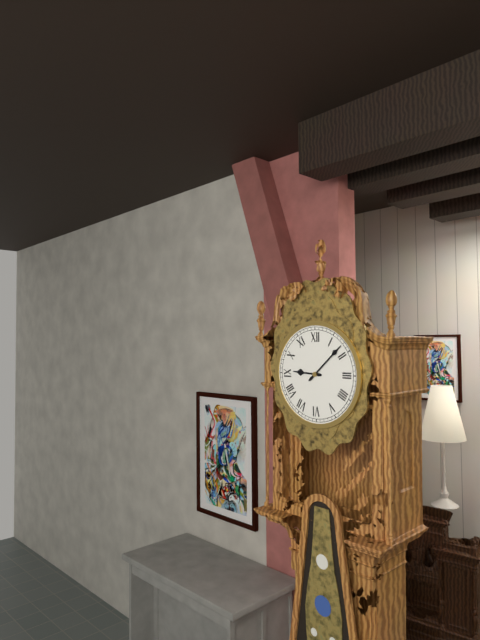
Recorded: 9.08
